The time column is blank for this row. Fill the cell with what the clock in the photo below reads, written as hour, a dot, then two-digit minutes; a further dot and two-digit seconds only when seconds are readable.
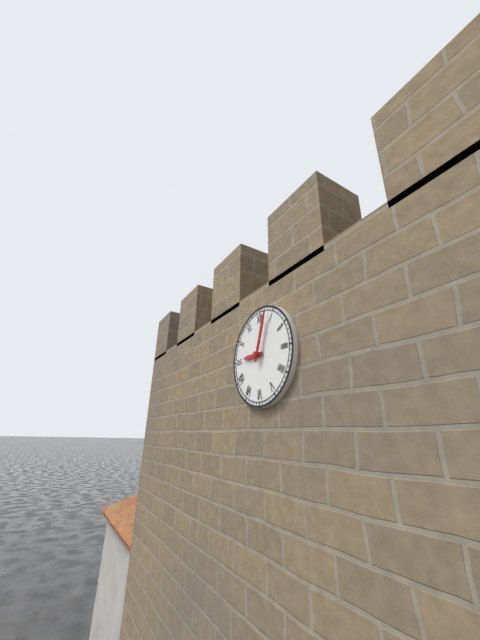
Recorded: 9.03
